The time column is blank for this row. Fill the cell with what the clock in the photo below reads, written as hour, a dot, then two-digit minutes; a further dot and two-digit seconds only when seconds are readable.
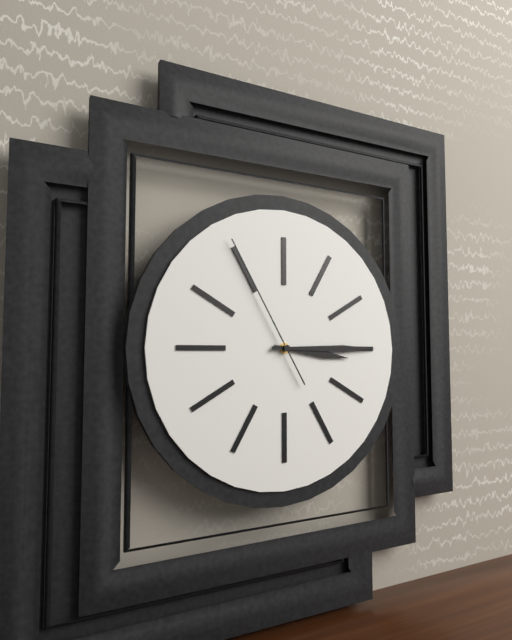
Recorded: 3.15.55
